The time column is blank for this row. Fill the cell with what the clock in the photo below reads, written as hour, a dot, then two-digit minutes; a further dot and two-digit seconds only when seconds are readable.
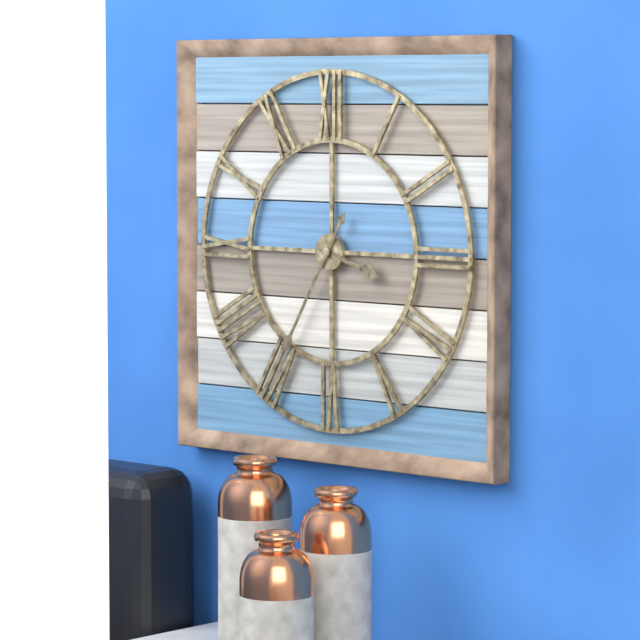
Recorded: 3.35
